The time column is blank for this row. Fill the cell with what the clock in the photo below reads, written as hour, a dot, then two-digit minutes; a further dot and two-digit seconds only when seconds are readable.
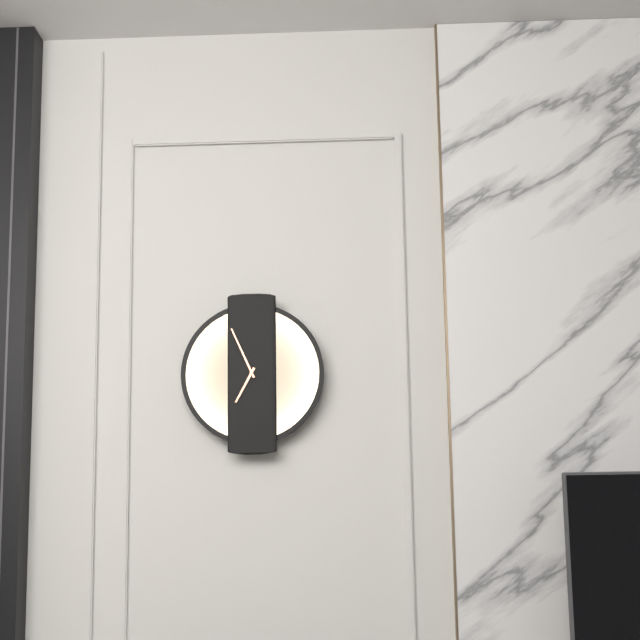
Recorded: 6.56
